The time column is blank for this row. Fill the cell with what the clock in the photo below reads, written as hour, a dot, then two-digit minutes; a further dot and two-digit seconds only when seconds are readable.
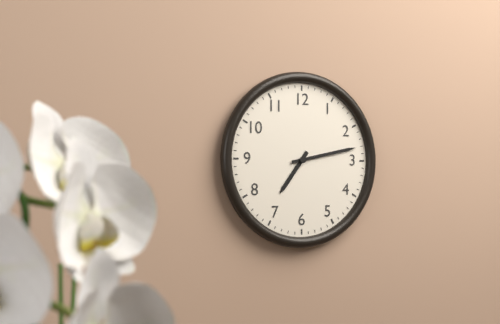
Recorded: 7.13
